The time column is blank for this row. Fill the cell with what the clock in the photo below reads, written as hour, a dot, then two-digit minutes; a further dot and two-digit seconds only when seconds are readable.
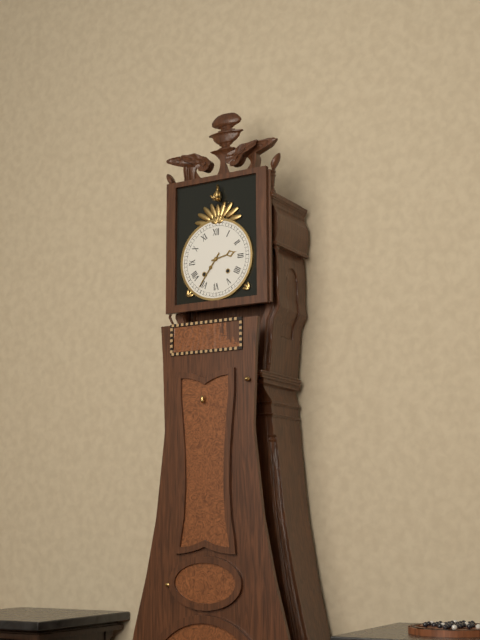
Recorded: 2.36
